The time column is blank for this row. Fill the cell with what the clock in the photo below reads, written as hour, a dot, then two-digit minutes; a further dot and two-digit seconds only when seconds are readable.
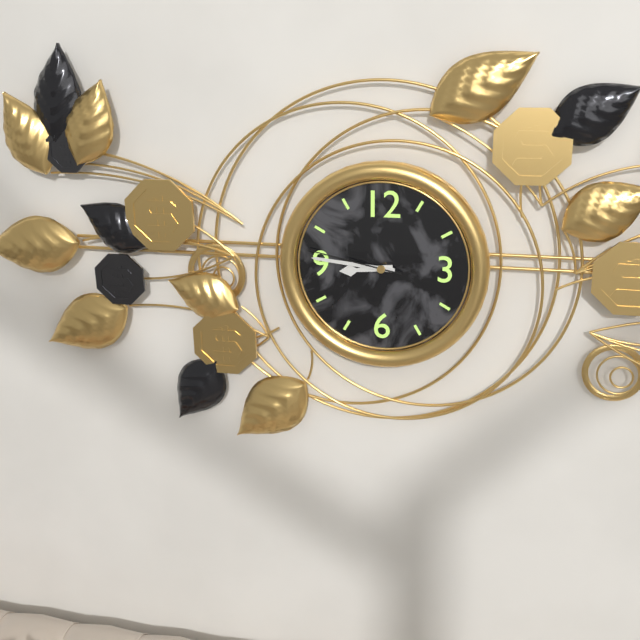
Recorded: 8.46.47
